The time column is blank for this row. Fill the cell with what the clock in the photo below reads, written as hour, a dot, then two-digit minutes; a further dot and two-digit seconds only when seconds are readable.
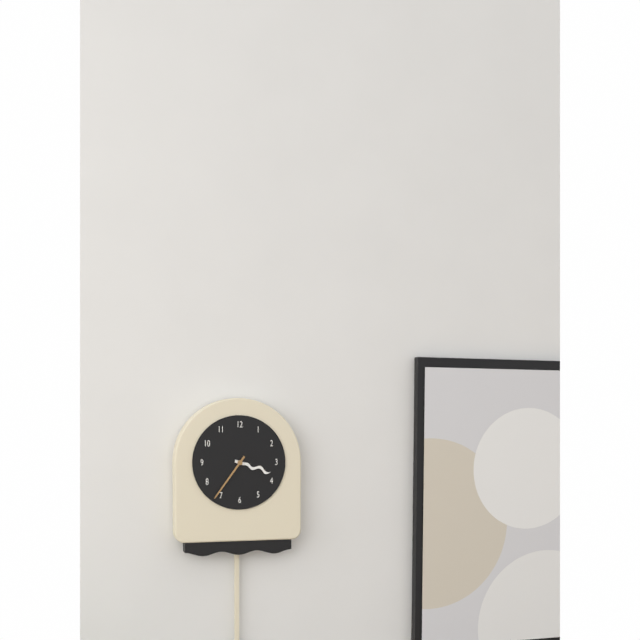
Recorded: 3.36
